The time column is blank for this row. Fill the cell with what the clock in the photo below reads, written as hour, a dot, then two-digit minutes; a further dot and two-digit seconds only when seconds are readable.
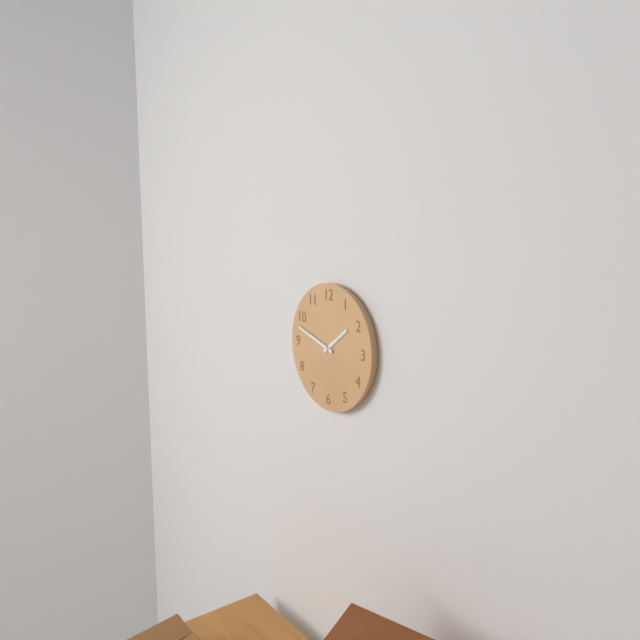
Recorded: 1.48
